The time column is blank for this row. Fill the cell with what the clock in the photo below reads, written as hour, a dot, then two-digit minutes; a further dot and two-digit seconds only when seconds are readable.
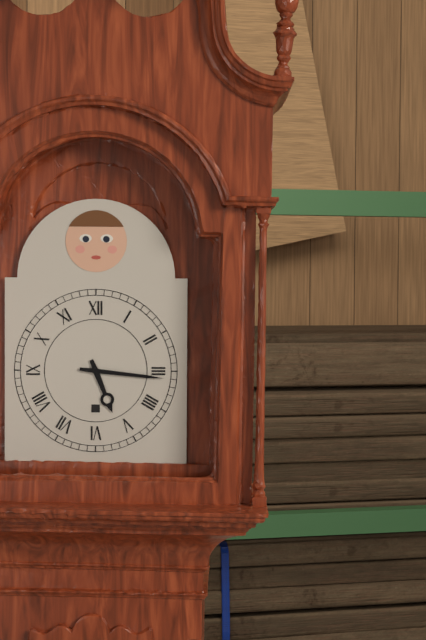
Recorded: 5.16
